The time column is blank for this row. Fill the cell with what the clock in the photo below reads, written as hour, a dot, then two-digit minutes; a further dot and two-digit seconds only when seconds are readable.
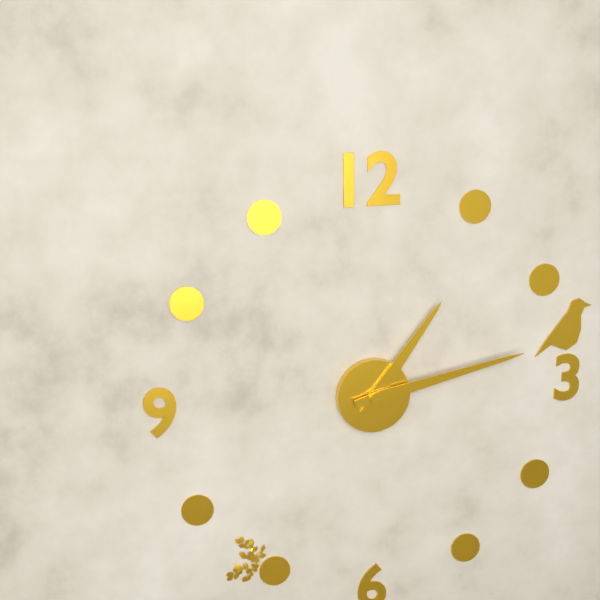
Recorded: 1.13
